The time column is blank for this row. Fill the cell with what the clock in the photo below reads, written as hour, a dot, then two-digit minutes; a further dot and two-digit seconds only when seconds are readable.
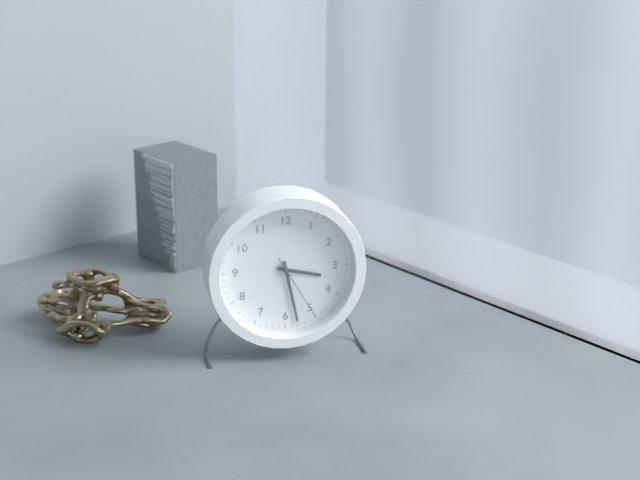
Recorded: 3.28.25
